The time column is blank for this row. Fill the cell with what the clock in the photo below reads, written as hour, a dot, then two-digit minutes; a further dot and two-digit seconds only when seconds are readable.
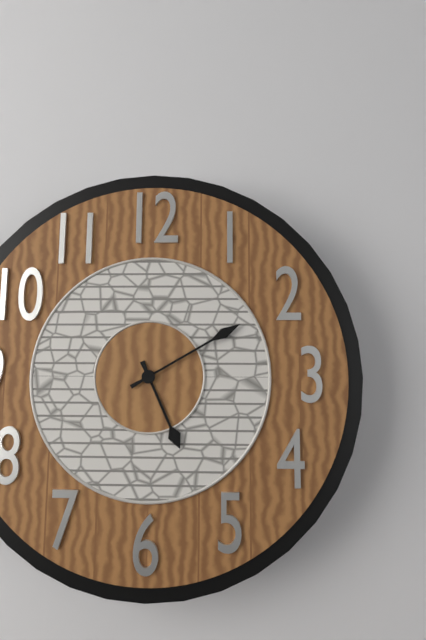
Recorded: 5.10
